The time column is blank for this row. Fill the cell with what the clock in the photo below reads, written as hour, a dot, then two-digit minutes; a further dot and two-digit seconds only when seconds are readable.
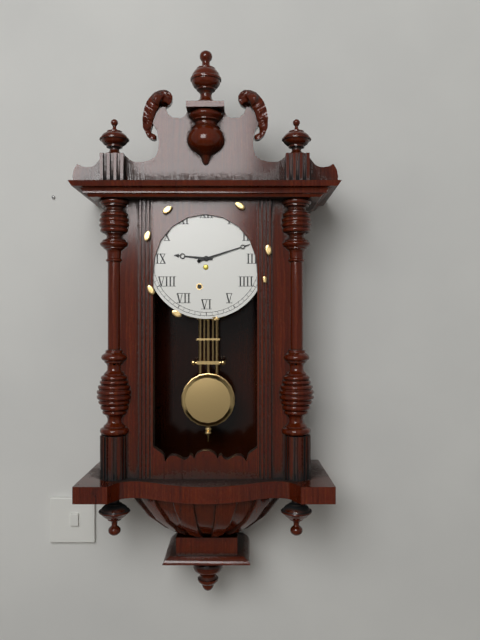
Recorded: 9.12
